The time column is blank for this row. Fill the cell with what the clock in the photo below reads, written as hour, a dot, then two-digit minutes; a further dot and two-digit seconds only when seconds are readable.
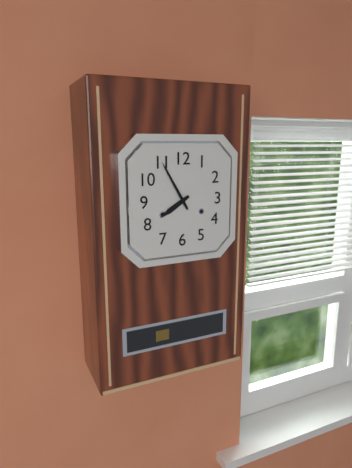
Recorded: 7.55
